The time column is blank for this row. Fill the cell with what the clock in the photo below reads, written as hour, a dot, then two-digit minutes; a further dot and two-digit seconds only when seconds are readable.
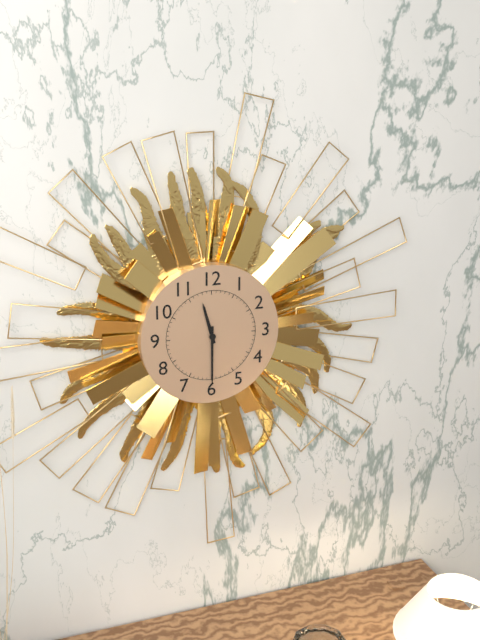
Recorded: 11.30
